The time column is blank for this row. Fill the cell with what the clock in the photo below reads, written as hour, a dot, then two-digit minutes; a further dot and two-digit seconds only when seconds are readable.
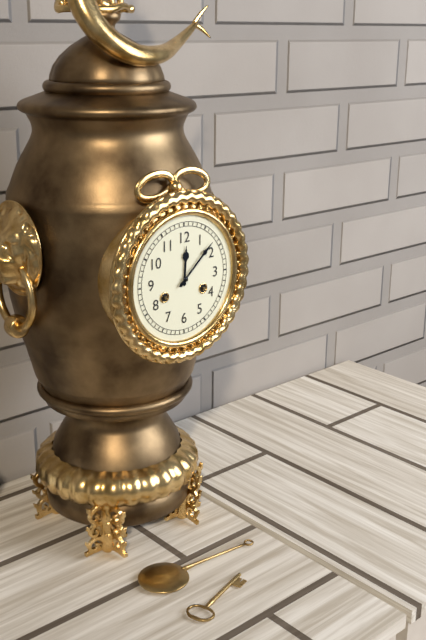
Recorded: 12.08
